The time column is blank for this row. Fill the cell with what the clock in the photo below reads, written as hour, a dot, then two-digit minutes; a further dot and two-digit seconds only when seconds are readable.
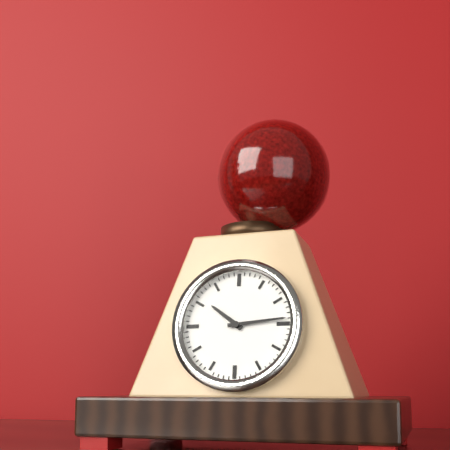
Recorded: 10.14
